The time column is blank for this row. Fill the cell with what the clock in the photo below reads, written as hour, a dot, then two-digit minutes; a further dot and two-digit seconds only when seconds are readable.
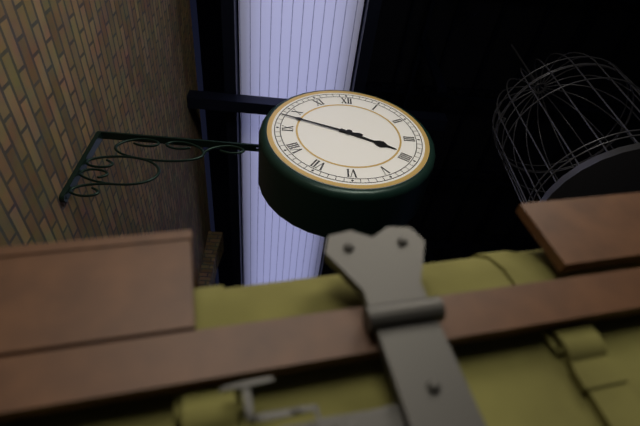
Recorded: 3.48
